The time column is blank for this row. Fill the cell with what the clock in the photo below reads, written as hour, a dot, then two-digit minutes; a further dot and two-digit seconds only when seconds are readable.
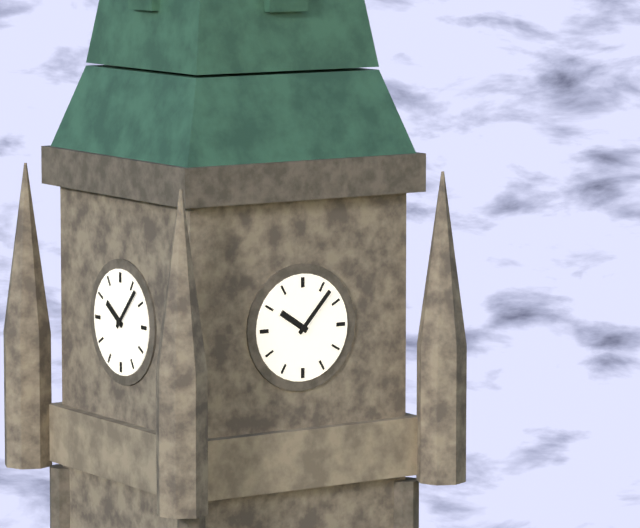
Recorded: 10.07
